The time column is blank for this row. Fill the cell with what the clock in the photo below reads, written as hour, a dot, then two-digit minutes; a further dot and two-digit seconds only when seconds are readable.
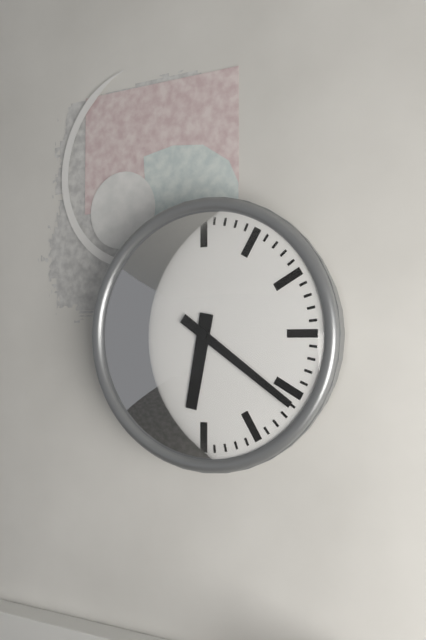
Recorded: 6.21
